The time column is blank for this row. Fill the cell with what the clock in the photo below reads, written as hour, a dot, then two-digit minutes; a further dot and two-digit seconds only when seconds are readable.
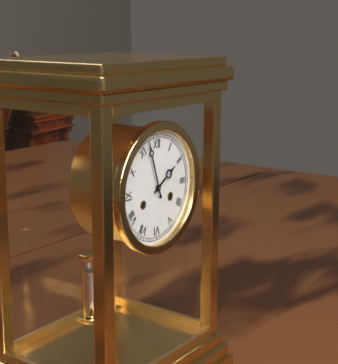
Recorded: 1.57
